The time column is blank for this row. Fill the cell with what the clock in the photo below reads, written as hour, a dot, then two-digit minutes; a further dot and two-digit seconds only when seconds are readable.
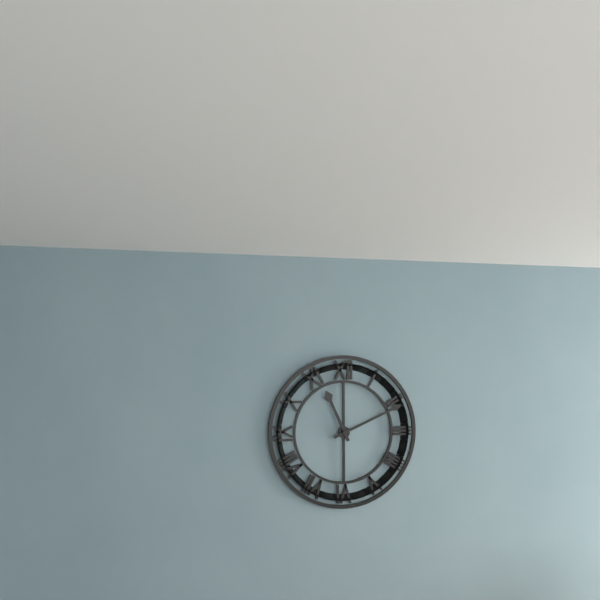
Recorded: 11.11
